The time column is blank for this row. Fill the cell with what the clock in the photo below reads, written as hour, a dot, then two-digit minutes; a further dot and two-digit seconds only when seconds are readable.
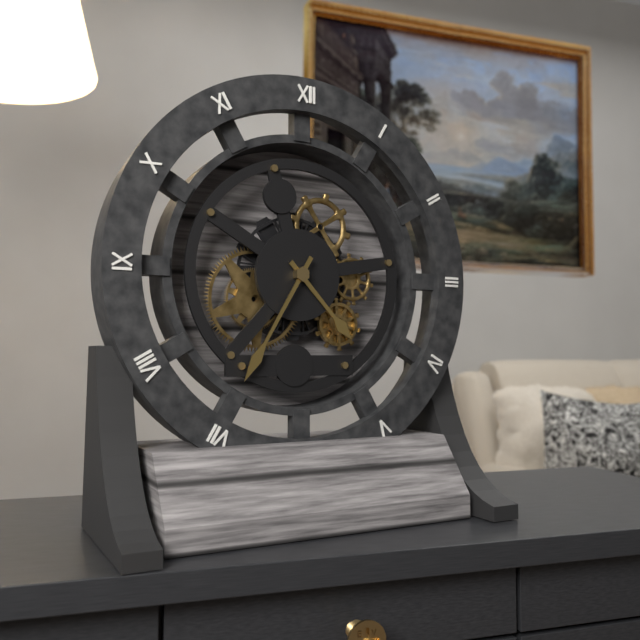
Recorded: 4.35
